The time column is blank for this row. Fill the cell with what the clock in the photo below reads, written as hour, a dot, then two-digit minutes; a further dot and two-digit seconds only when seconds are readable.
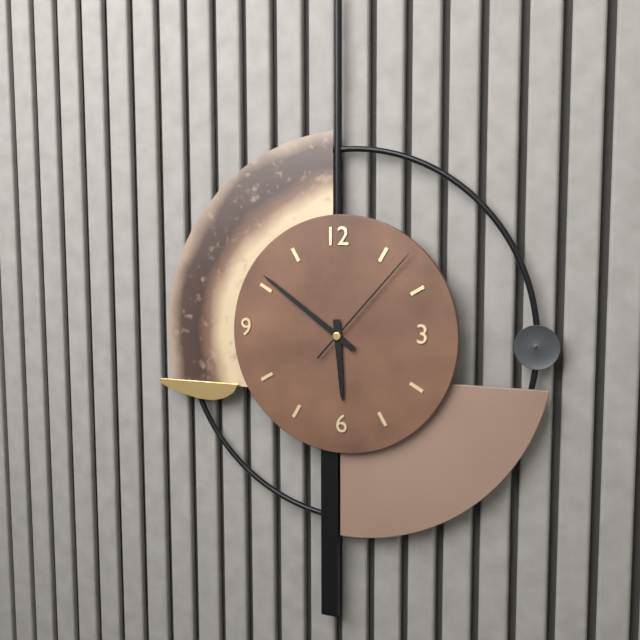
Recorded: 5.51.07
